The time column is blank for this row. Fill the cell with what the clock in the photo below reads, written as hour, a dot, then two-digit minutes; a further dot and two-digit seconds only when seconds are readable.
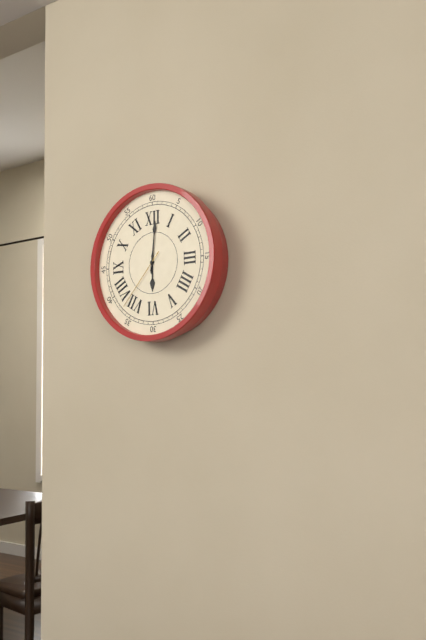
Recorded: 6.01.37
